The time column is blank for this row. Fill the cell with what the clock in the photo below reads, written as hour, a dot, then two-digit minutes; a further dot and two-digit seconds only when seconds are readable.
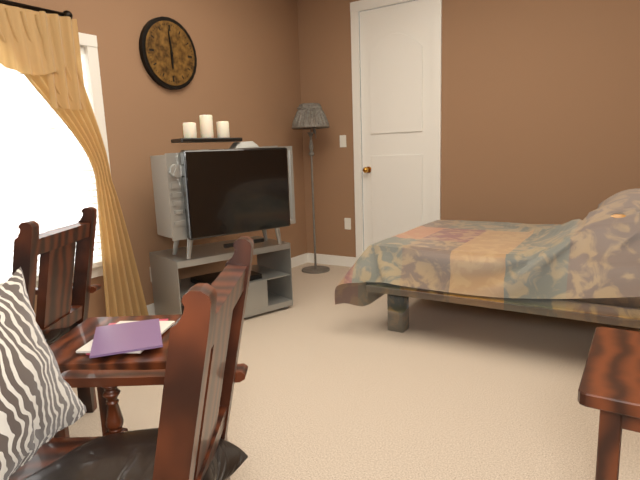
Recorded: 5.59
